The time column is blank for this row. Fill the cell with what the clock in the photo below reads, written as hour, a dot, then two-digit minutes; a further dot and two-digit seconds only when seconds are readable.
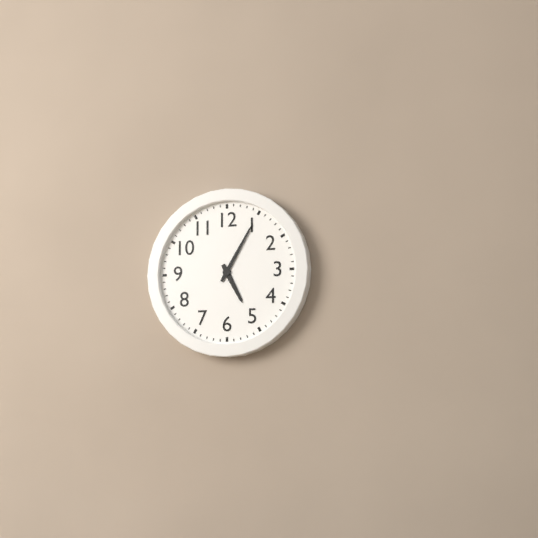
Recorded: 5.05
